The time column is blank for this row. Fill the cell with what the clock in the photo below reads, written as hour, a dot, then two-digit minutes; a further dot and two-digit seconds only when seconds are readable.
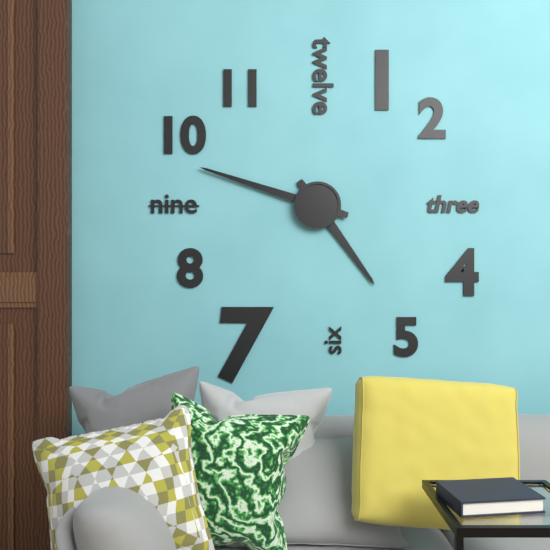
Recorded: 4.48
